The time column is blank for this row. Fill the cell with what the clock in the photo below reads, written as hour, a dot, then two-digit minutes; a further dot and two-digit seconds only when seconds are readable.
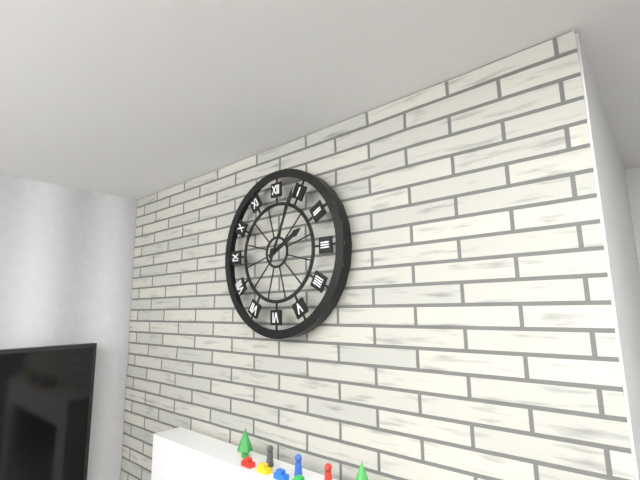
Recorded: 2.04
